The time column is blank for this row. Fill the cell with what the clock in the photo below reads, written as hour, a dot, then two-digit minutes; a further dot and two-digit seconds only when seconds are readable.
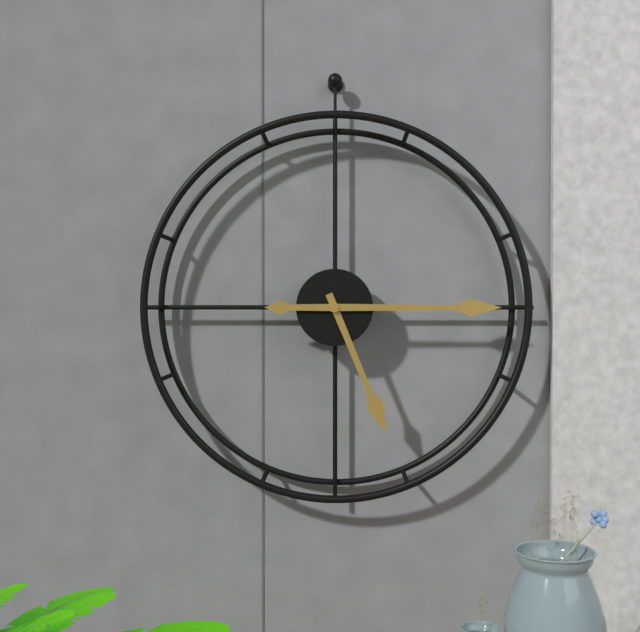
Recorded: 5.15
